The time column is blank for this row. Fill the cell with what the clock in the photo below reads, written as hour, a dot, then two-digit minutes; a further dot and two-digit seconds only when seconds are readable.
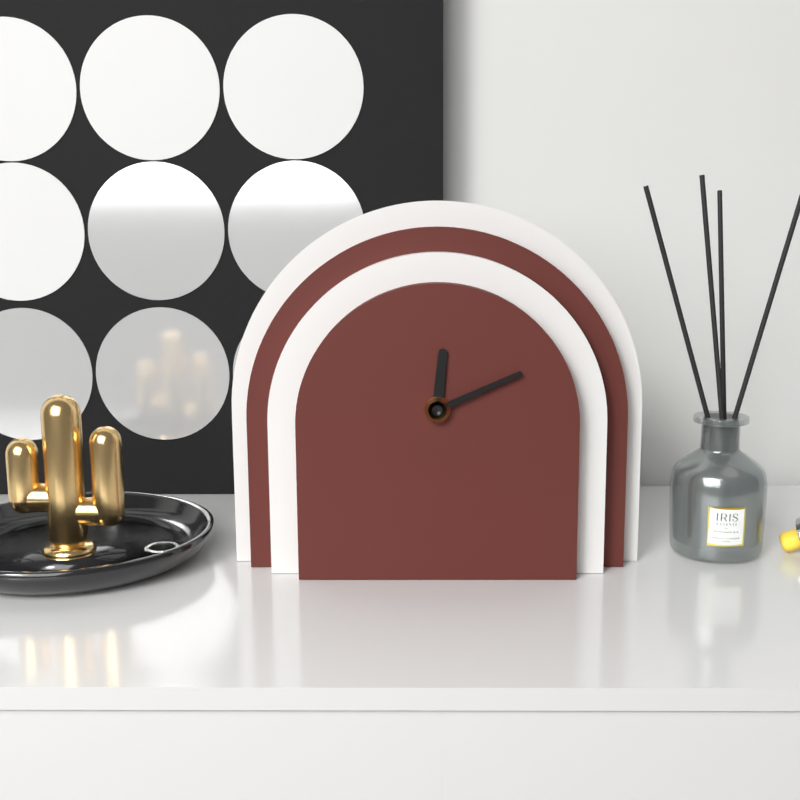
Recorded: 12.11
